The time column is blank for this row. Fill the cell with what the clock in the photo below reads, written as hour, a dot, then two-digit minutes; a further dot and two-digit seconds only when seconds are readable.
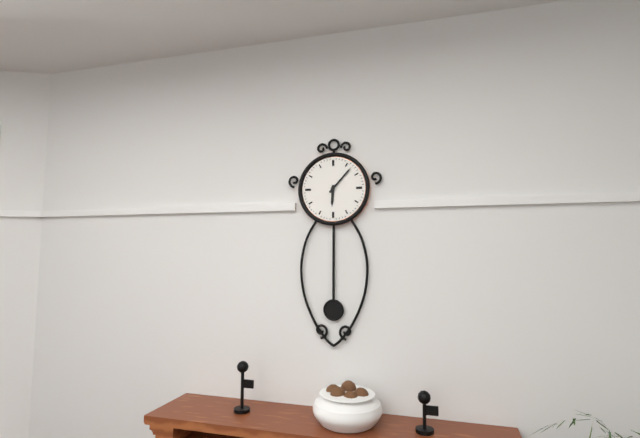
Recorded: 6.07
